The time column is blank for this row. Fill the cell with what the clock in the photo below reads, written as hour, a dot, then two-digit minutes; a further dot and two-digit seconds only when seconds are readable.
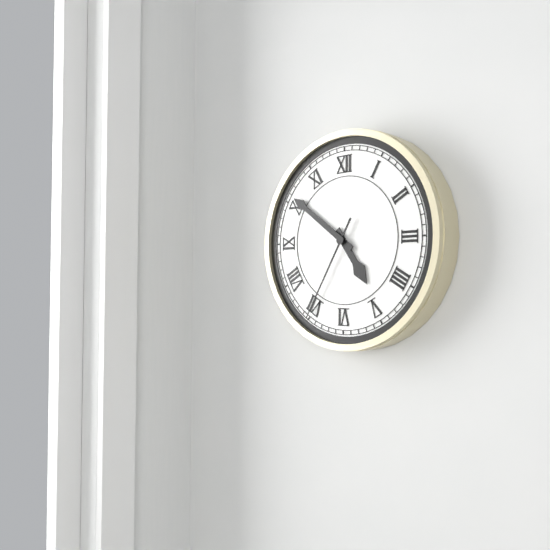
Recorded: 4.51.35
